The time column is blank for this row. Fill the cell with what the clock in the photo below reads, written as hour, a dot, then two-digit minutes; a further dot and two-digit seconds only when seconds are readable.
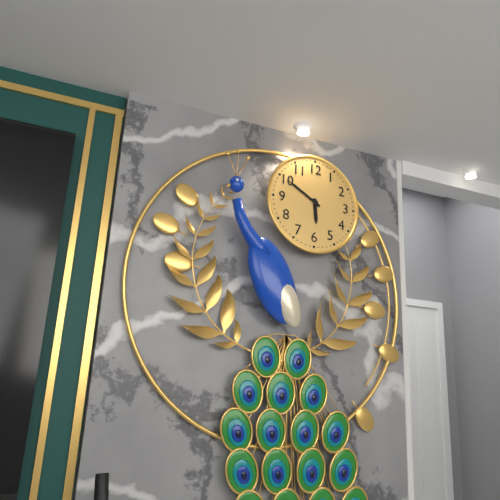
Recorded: 5.50
